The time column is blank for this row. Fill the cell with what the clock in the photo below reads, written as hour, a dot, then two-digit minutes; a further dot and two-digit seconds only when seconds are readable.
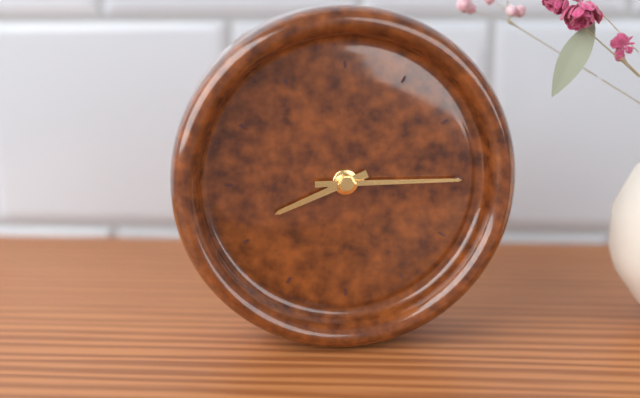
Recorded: 8.15
